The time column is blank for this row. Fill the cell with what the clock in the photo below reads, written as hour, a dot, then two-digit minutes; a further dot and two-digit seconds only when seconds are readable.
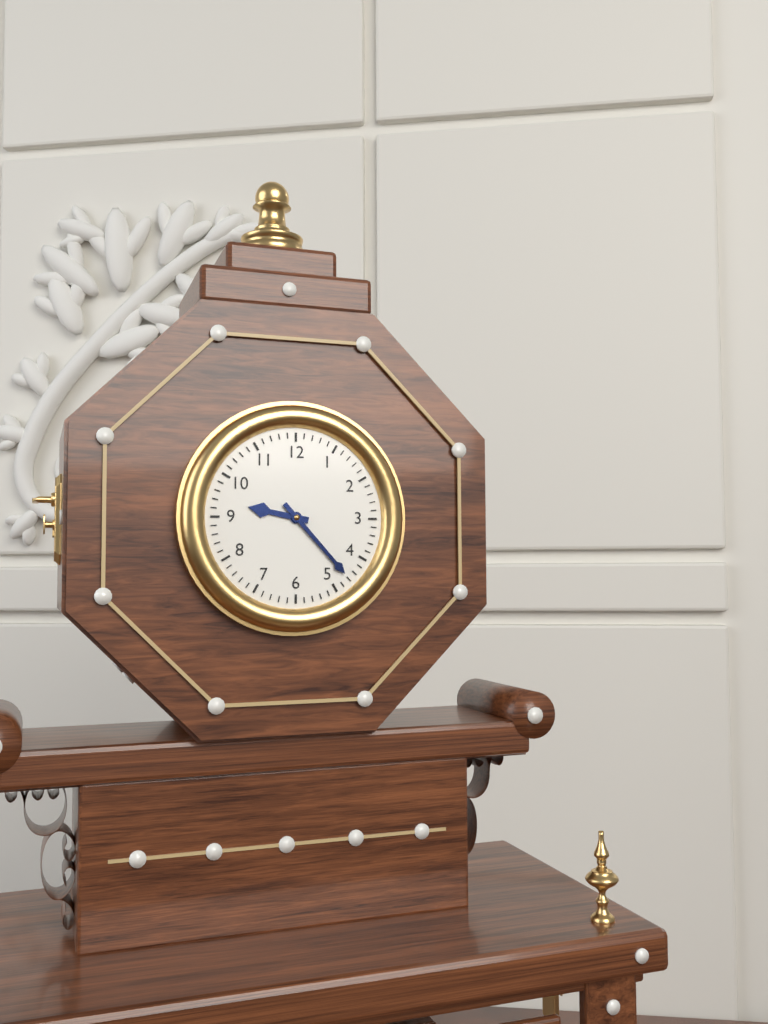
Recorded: 9.23
